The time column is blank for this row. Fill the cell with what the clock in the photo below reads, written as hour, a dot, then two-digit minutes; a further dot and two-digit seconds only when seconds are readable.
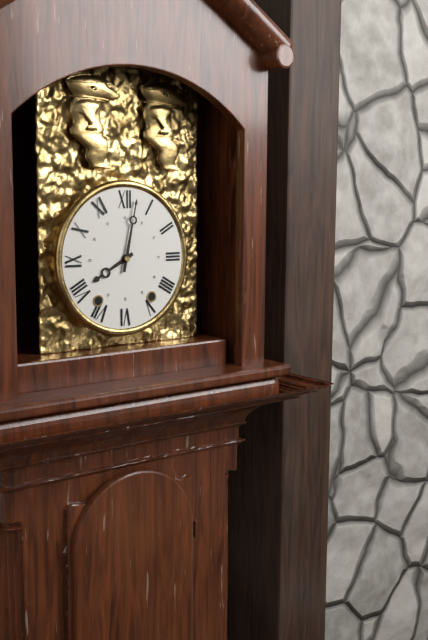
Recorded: 8.02
